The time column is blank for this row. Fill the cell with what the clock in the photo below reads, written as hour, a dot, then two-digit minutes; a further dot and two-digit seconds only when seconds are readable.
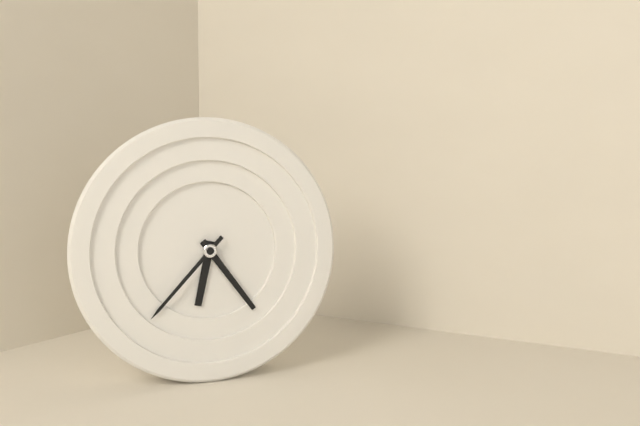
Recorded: 6.24.37
